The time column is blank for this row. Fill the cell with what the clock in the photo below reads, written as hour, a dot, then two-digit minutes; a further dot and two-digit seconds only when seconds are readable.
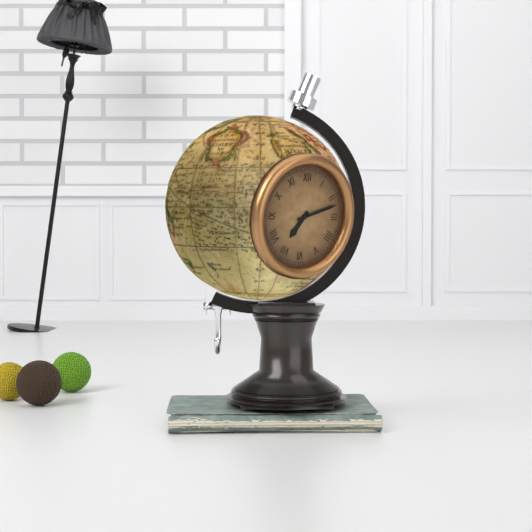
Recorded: 7.12
